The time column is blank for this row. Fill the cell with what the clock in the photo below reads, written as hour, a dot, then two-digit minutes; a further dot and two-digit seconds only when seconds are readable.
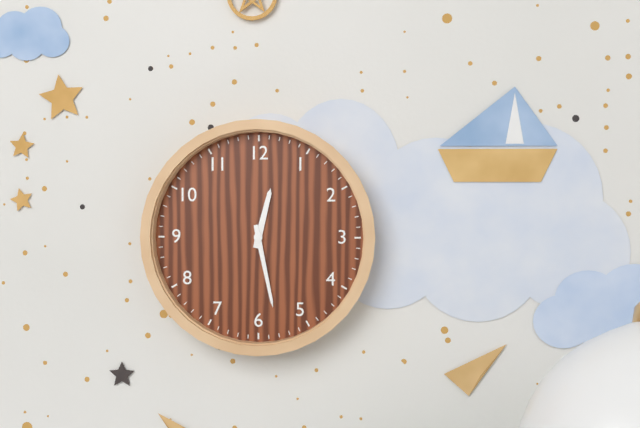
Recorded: 12.28
